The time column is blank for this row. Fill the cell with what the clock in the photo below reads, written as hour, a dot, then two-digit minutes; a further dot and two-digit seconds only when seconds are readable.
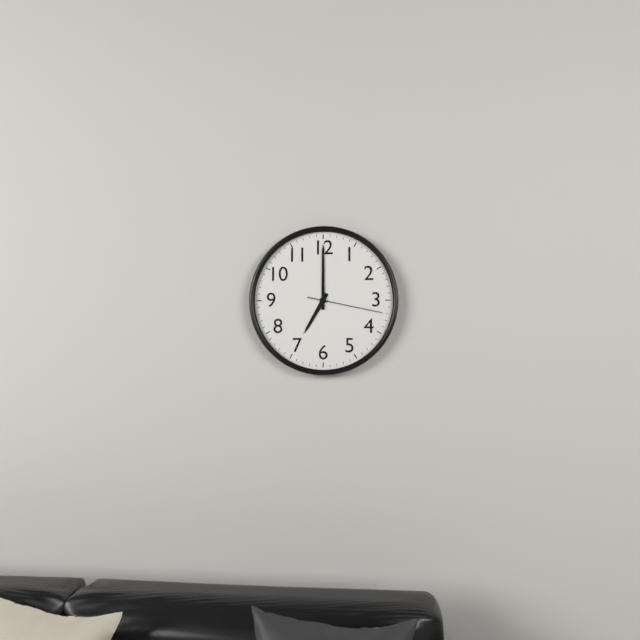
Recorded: 7.00.17
